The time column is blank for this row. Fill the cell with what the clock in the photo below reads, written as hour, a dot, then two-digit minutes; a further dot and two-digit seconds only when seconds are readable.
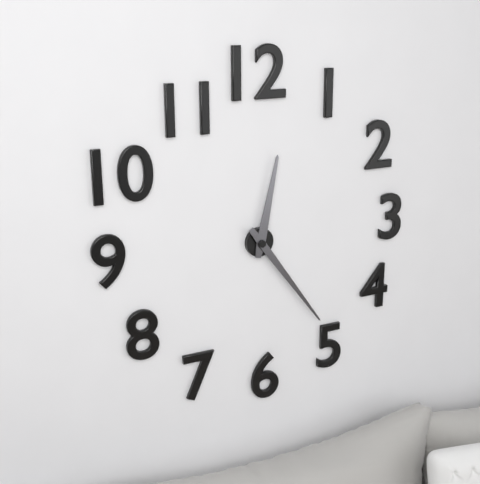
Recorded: 12.24
